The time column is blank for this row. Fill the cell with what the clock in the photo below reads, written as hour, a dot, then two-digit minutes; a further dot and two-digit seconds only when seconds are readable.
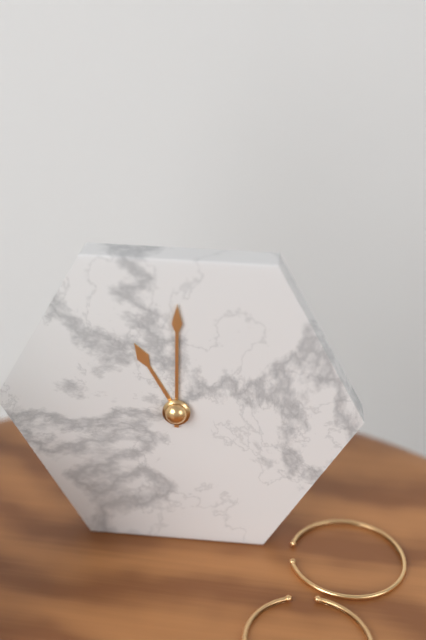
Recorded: 11.00
